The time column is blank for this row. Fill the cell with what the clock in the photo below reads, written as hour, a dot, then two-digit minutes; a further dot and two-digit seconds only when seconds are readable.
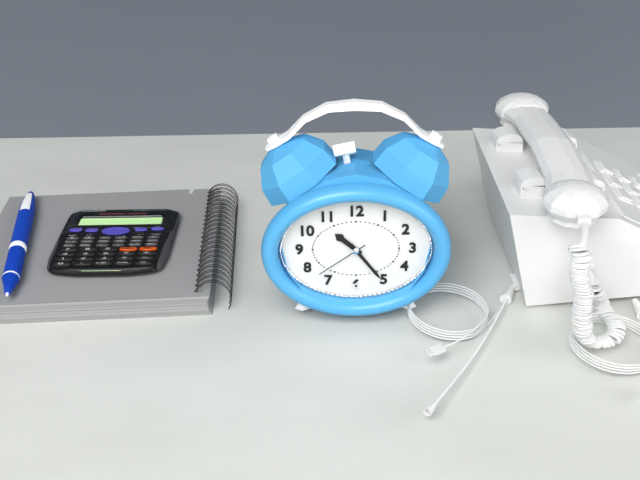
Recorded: 10.24.39
